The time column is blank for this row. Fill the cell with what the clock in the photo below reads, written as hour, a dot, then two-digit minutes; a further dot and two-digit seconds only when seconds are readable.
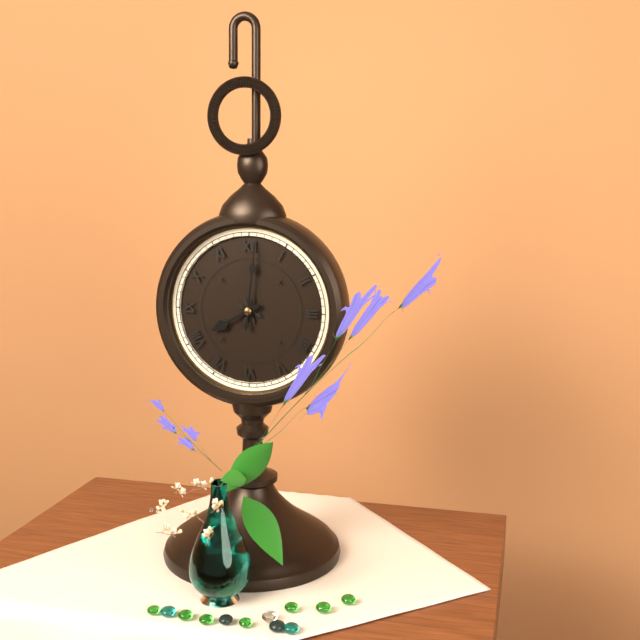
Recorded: 8.01
